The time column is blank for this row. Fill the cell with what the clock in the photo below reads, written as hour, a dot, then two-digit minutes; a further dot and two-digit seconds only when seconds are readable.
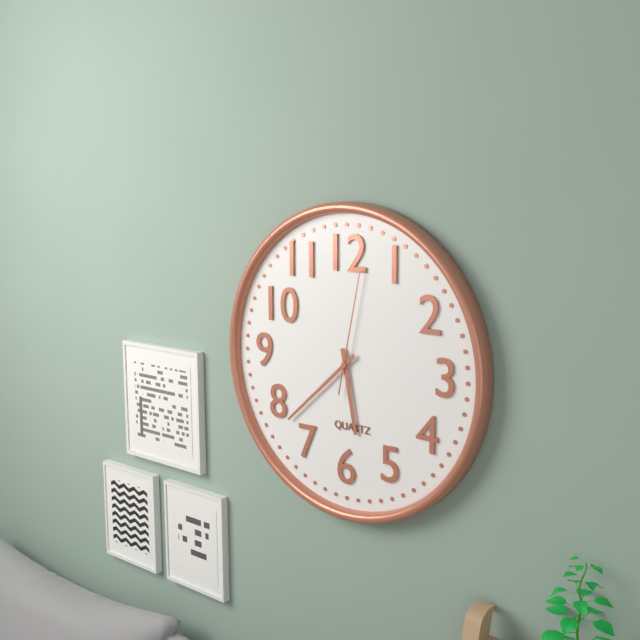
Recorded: 5.38.02
